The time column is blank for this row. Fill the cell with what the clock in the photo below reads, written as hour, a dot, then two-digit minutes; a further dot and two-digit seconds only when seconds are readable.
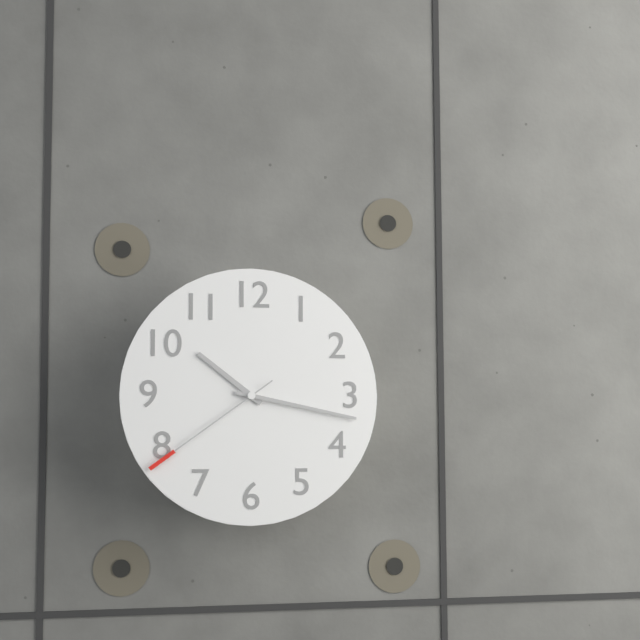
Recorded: 10.17.39
